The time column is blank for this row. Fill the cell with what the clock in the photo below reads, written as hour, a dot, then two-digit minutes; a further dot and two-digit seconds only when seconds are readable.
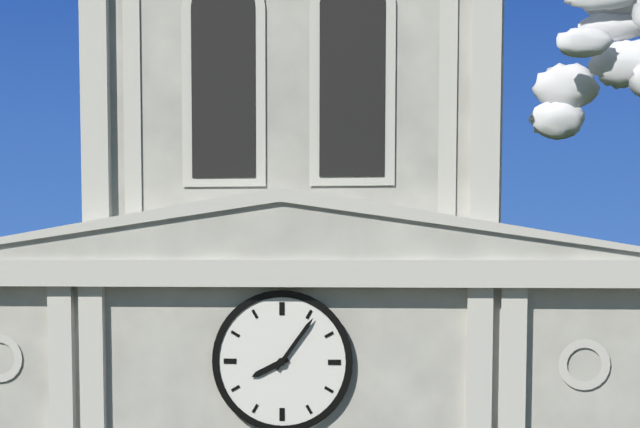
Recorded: 8.06
